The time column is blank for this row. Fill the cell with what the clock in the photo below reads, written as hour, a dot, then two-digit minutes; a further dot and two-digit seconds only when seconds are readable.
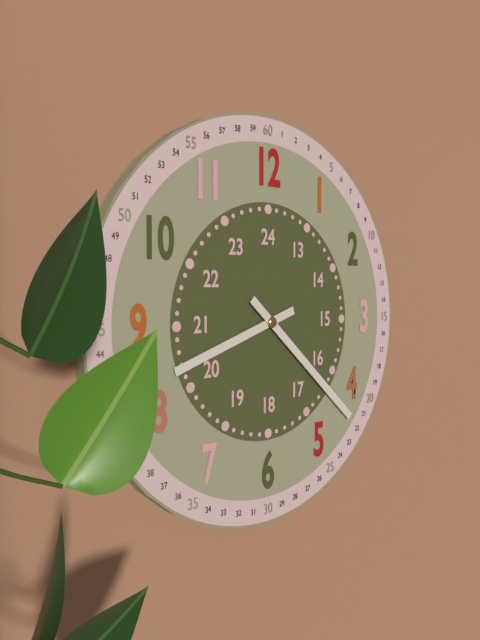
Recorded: 8.22
